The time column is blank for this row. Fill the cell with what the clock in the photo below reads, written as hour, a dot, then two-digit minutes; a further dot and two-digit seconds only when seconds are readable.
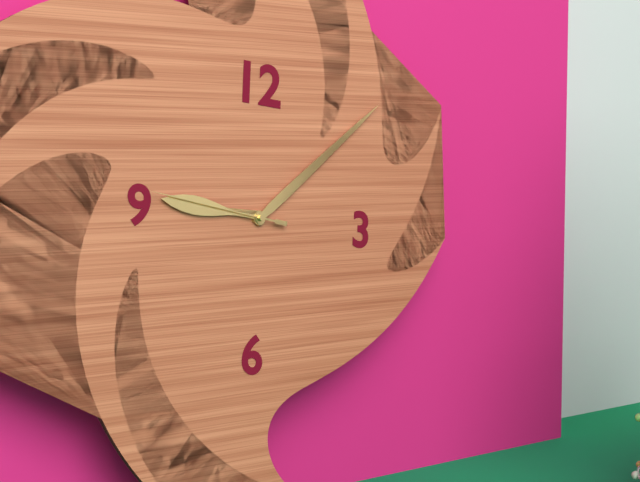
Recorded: 9.08.46
